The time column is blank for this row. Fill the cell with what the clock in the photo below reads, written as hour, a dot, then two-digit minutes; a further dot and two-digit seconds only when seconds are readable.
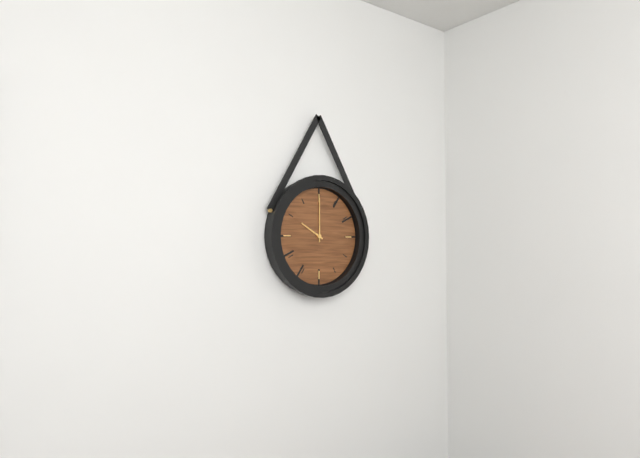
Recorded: 10.00
